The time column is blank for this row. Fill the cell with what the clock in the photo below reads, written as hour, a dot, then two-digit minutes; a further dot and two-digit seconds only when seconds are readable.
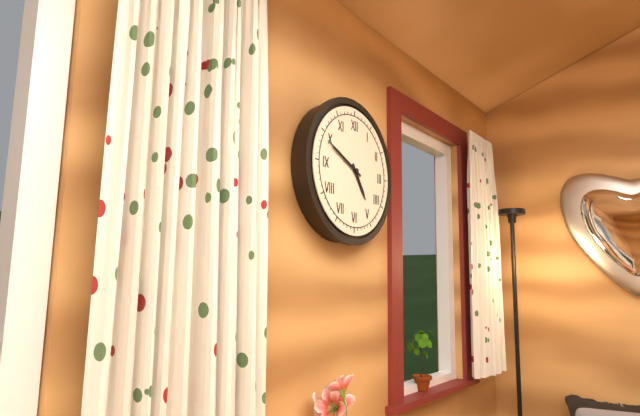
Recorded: 4.49
